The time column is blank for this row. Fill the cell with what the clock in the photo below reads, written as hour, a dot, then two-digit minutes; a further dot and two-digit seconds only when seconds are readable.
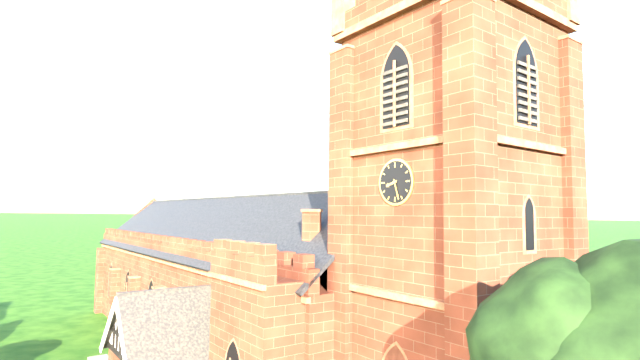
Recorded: 8.27
